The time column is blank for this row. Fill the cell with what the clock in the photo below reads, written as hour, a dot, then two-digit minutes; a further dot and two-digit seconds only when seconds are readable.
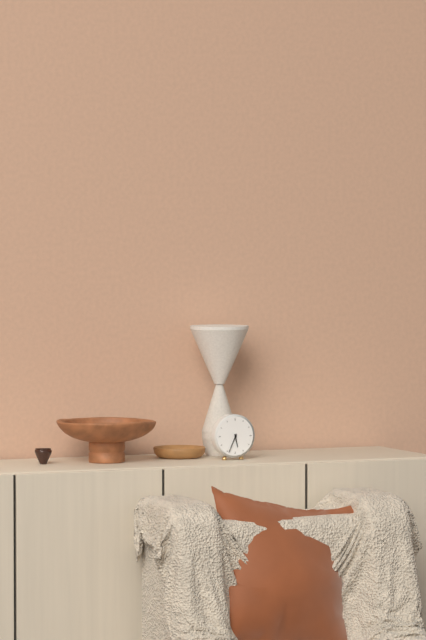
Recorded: 5.34
